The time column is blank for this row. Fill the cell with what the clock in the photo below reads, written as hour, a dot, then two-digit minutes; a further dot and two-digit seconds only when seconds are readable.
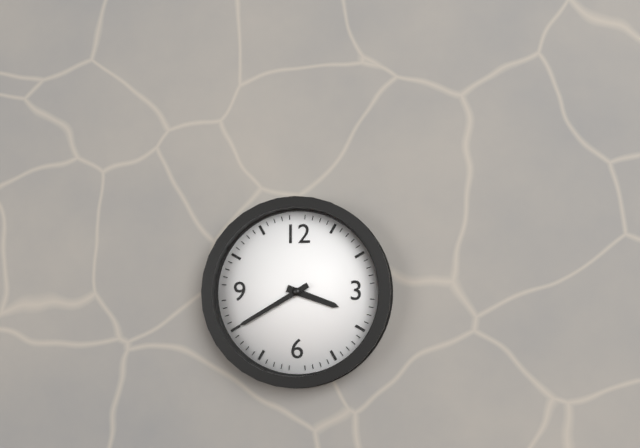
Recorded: 3.40
